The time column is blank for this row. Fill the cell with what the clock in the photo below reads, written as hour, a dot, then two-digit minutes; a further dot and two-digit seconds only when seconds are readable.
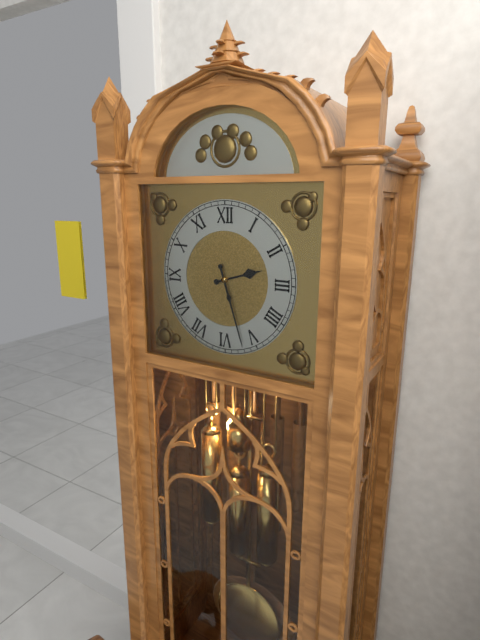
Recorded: 2.27
